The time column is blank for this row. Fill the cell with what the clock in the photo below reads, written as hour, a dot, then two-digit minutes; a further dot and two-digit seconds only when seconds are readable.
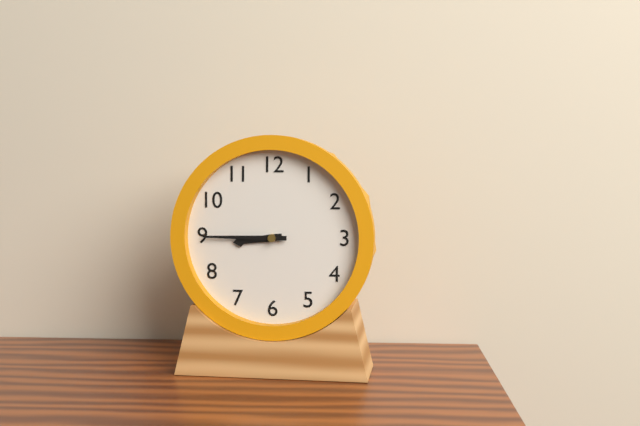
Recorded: 8.45
